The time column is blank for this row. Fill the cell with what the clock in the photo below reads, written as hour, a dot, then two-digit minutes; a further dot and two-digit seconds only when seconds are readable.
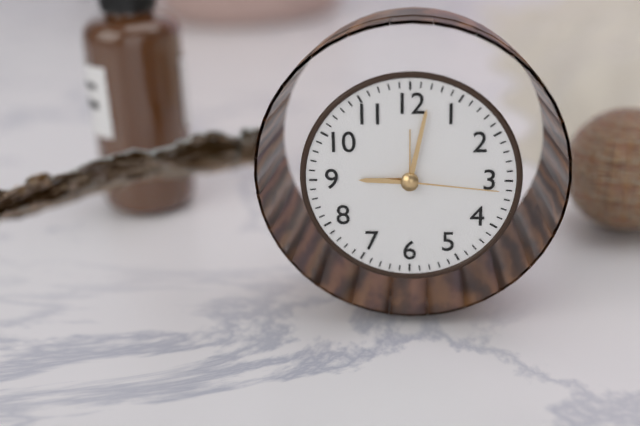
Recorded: 9.02.16
